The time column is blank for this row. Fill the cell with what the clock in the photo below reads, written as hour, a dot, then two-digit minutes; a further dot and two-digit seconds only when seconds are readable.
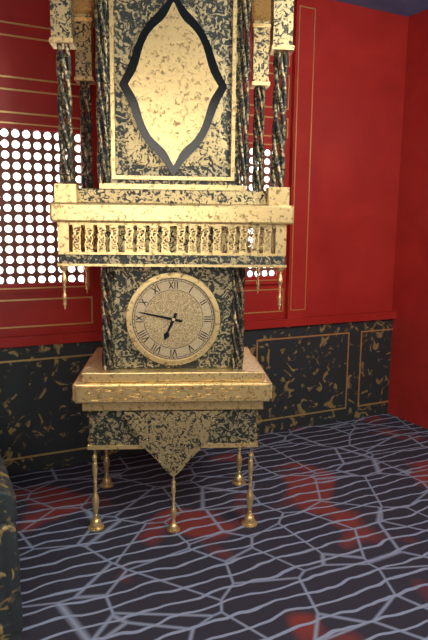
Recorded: 6.47
